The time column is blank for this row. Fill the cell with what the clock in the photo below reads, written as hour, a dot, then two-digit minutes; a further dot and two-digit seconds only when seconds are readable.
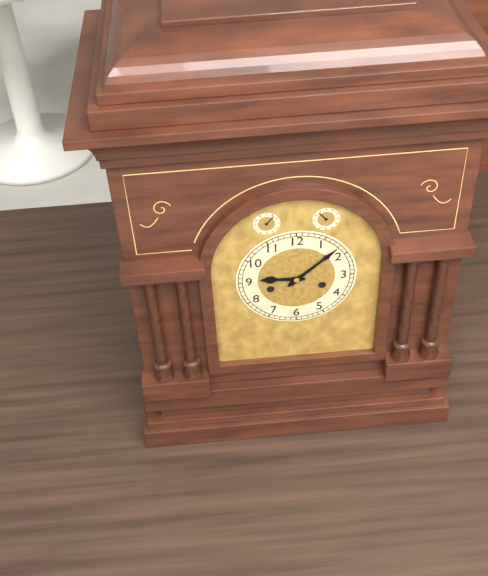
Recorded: 9.08
